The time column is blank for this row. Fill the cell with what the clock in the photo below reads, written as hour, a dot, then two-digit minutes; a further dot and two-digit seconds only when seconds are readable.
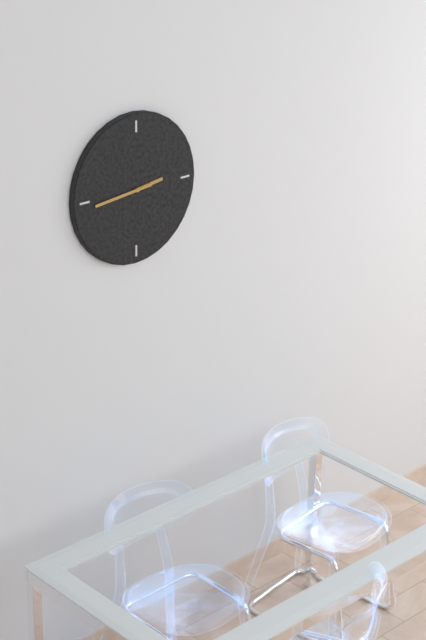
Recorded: 2.44
